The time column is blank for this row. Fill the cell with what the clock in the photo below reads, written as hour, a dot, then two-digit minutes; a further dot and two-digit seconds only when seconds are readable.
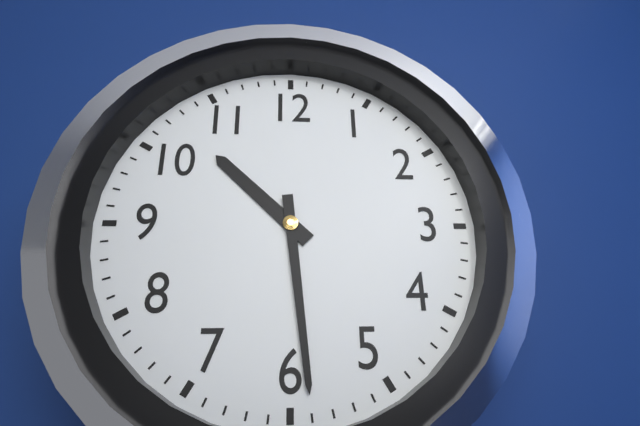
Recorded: 10.29
